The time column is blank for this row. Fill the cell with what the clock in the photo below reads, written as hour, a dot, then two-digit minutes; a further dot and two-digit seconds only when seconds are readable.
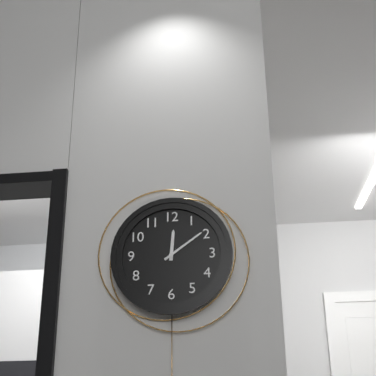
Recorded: 12.09
